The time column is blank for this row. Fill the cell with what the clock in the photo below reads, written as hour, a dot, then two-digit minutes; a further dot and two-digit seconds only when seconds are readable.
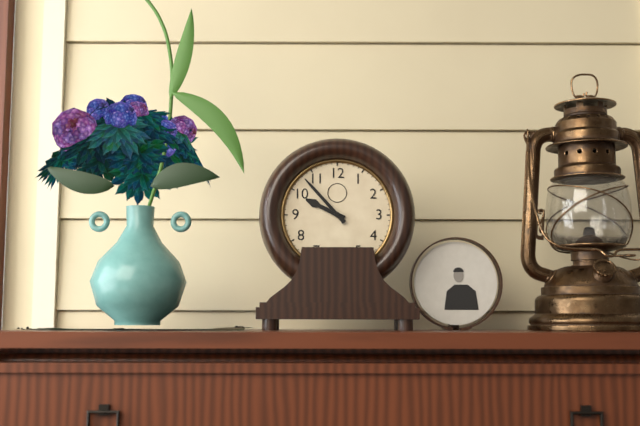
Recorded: 9.53
